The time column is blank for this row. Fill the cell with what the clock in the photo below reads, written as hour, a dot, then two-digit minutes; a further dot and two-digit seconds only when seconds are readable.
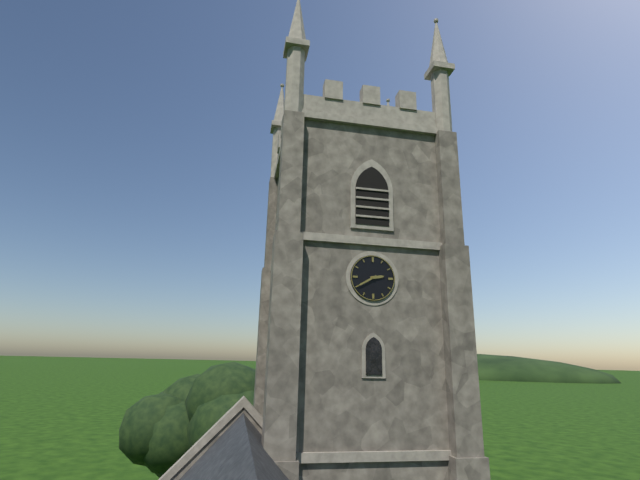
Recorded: 2.40
